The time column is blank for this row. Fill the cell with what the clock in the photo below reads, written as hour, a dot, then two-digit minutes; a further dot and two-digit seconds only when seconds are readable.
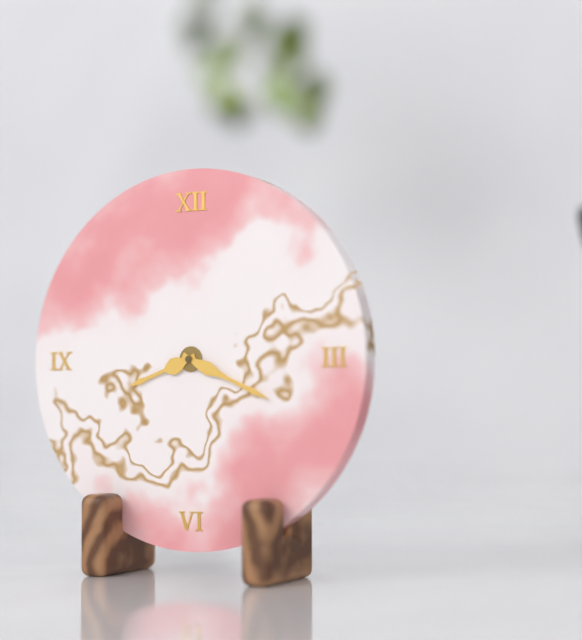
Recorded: 8.19
